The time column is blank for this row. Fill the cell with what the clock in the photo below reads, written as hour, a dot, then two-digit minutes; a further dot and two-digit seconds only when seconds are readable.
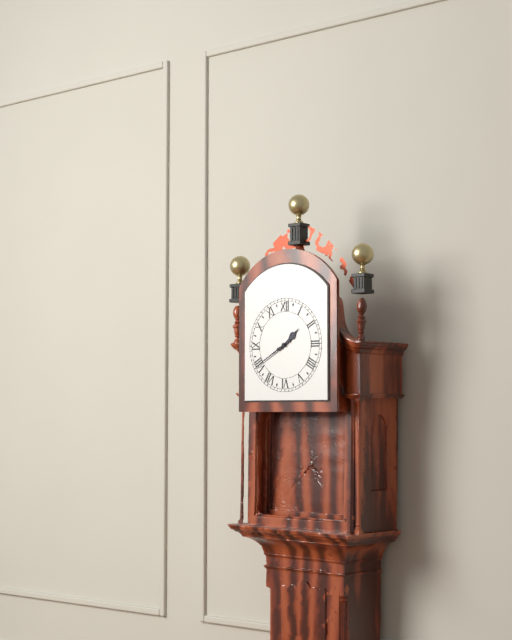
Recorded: 1.40
